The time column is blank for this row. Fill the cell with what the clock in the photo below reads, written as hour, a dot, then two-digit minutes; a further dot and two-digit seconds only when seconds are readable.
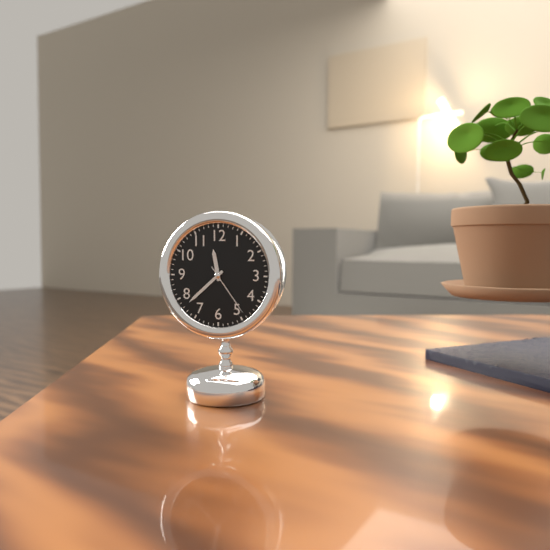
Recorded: 11.38.24
